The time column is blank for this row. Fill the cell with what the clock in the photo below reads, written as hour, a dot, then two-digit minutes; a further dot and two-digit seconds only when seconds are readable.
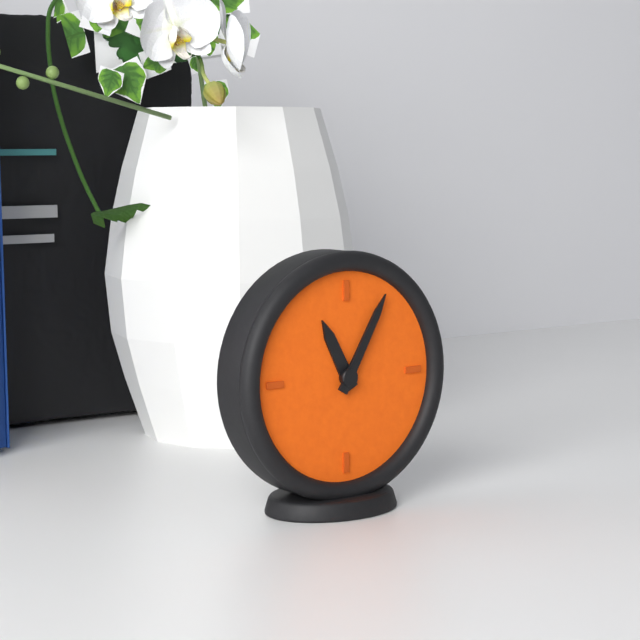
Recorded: 11.05
